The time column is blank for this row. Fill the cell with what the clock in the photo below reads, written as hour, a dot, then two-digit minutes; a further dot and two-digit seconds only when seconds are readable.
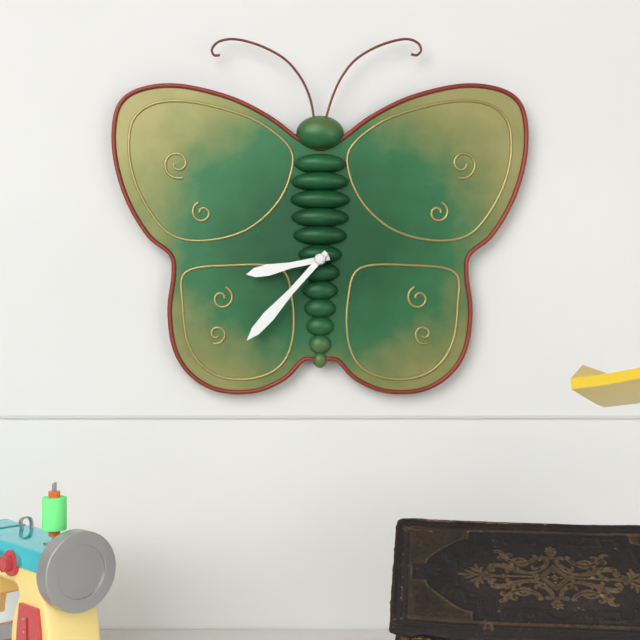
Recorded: 8.37
